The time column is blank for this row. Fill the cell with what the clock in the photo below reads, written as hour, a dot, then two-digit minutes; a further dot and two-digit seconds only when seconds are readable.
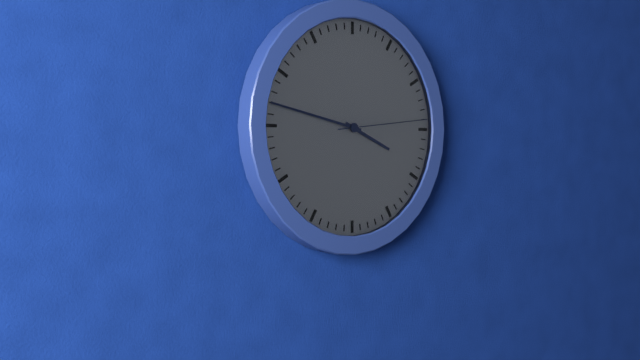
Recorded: 3.47.14
